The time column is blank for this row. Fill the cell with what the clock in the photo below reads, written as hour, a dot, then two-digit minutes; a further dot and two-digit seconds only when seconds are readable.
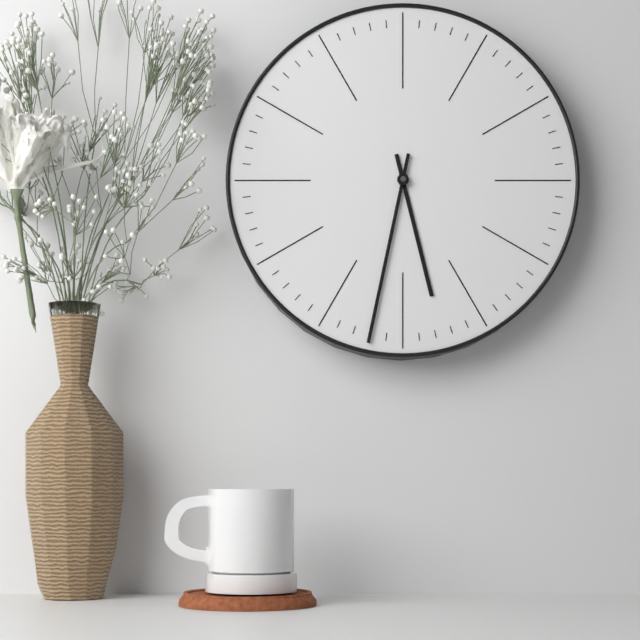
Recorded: 5.32
